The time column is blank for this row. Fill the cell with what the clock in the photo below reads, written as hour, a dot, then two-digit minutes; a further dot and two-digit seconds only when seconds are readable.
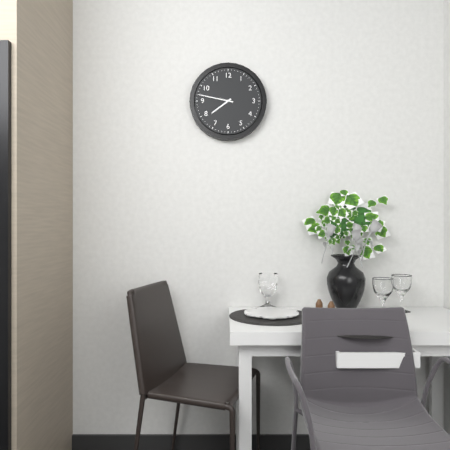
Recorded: 7.47
